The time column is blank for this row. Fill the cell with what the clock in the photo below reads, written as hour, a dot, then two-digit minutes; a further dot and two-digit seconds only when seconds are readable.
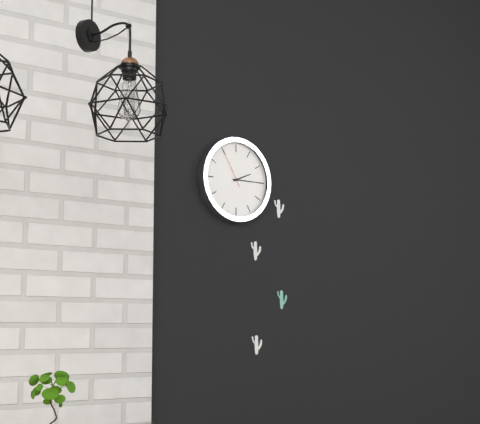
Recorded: 2.15
